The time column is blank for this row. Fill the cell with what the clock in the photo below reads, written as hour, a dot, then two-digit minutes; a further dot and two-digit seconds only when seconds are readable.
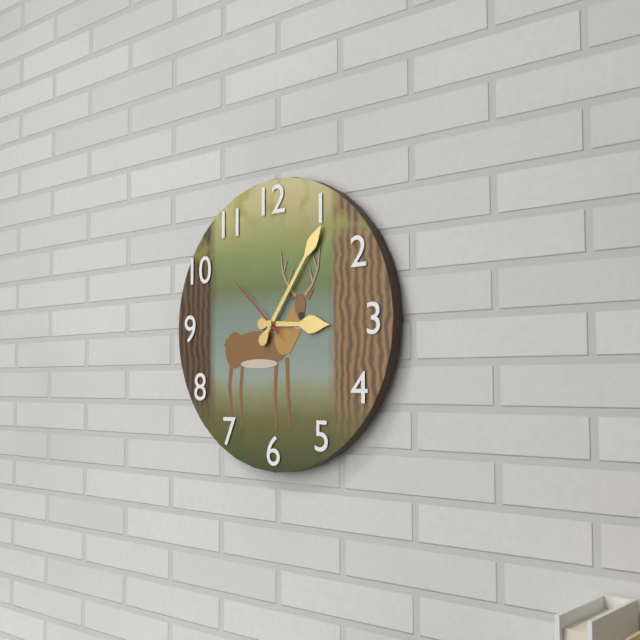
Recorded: 3.06.52
